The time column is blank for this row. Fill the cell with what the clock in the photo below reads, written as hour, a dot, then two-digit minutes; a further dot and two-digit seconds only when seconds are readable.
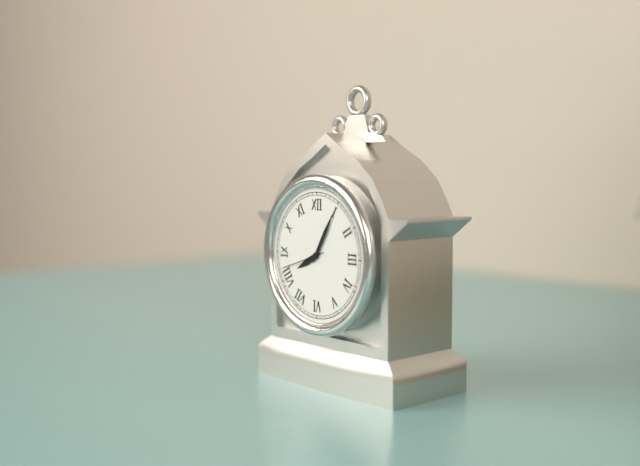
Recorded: 8.05
